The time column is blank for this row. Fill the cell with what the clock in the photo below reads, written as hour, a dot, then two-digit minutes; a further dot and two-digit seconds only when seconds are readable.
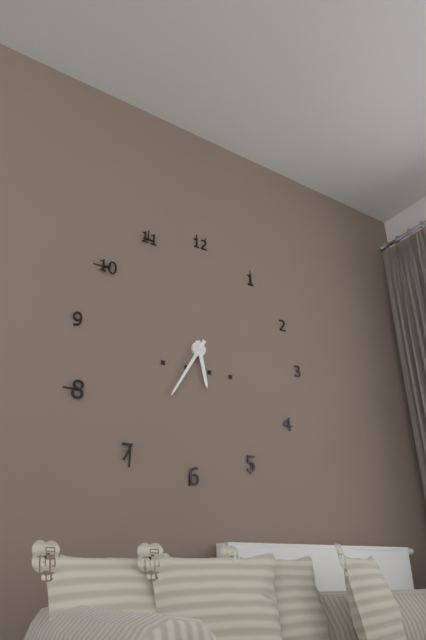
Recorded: 5.35
